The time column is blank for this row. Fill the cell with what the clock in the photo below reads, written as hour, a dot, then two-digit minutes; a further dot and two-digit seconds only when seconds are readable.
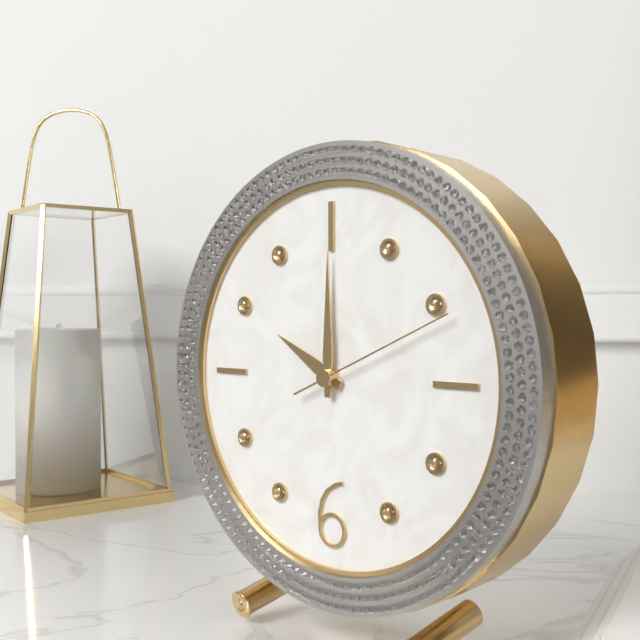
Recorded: 10.00.11
